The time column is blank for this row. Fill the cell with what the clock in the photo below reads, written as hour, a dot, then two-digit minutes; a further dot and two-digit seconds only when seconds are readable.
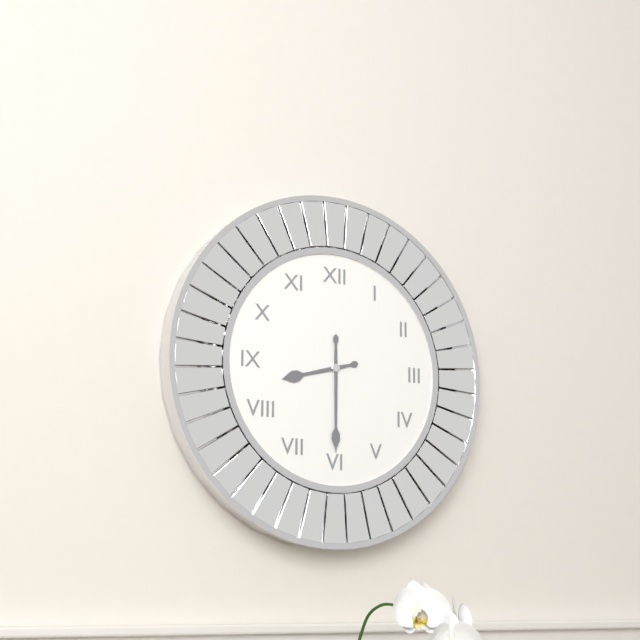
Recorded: 8.30
